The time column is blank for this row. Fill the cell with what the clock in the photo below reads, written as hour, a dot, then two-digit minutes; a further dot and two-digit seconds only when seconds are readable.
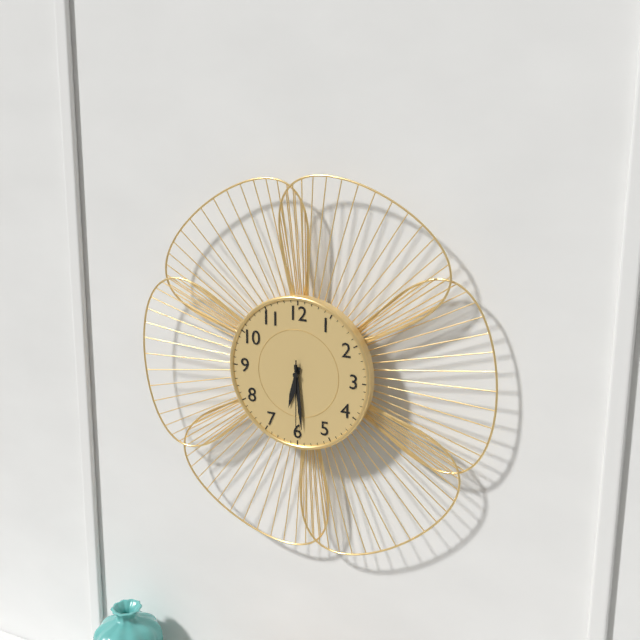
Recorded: 6.29.30
